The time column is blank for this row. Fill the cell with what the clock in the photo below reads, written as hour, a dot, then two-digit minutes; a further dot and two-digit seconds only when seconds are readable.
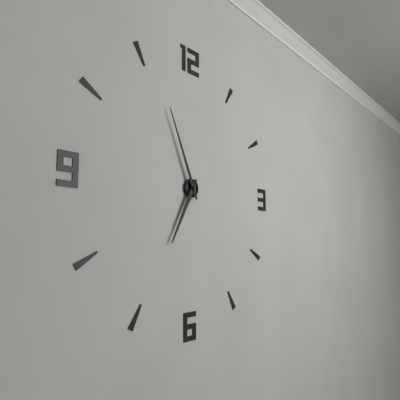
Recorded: 6.56
